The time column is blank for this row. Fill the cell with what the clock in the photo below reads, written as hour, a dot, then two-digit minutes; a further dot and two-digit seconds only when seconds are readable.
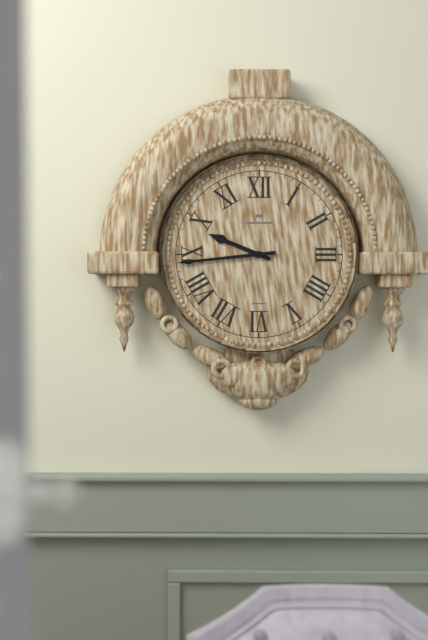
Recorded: 9.44
